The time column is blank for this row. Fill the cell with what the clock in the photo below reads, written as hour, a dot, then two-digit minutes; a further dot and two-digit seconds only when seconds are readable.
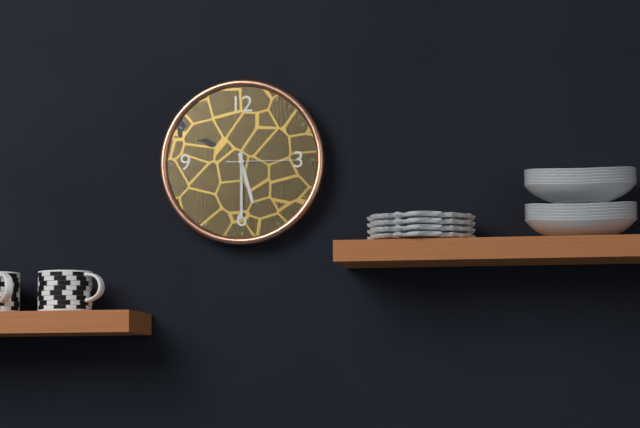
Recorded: 5.30.15
